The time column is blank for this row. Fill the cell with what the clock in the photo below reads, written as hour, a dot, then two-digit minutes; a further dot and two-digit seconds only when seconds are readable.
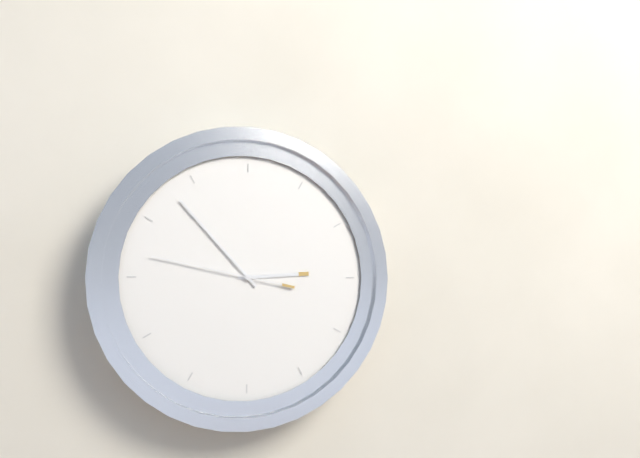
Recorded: 2.53.47
